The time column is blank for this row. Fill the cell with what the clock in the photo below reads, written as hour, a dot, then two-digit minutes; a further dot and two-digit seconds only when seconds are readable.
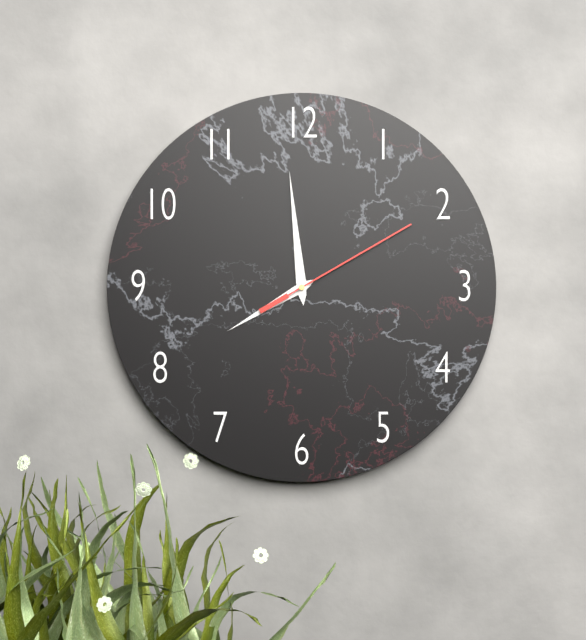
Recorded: 7.59.10
